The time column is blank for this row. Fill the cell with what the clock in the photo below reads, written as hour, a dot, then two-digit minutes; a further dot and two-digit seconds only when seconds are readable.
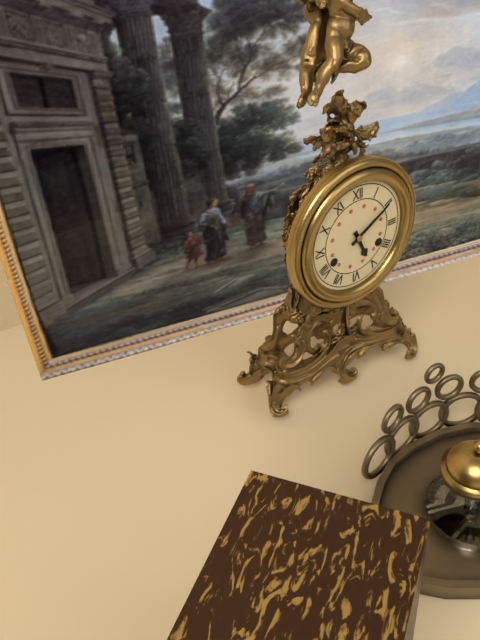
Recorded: 5.10
